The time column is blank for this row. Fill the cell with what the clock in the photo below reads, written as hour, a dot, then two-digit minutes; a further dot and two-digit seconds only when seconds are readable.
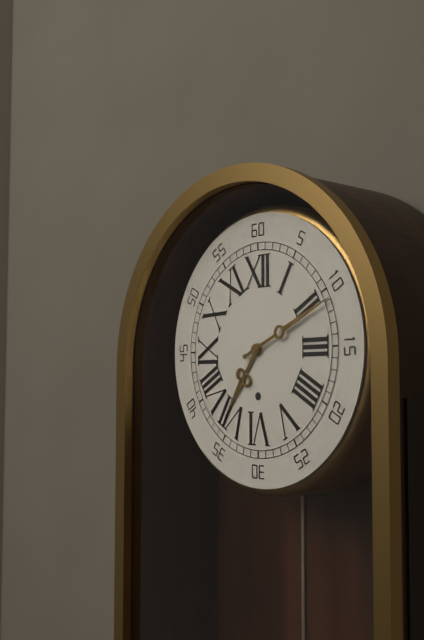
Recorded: 7.11
